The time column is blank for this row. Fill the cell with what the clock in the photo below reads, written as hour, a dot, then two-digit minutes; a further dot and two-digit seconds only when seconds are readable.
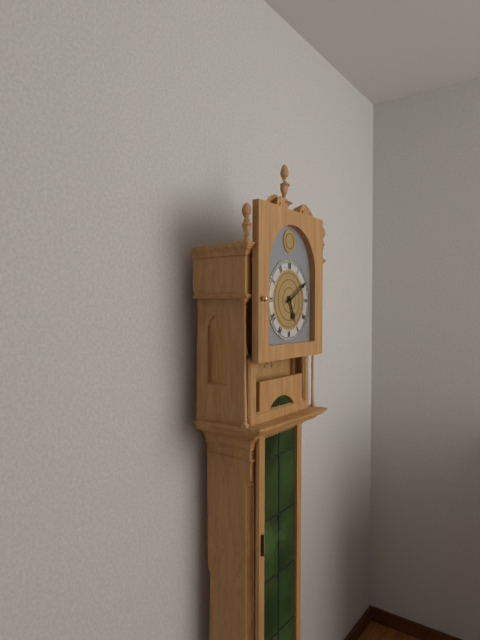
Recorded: 5.10
